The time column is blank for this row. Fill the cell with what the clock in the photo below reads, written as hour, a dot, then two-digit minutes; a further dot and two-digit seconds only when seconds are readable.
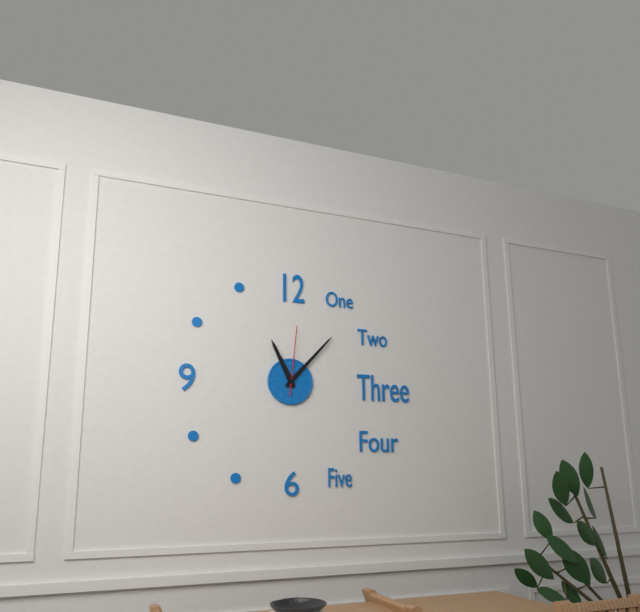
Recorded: 11.07.01
